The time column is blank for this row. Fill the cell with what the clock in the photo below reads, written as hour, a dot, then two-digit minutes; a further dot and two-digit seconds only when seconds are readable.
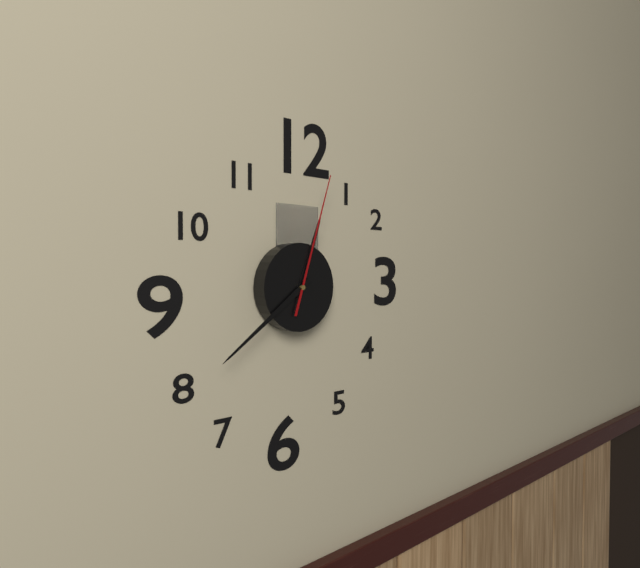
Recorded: 12.39.03
